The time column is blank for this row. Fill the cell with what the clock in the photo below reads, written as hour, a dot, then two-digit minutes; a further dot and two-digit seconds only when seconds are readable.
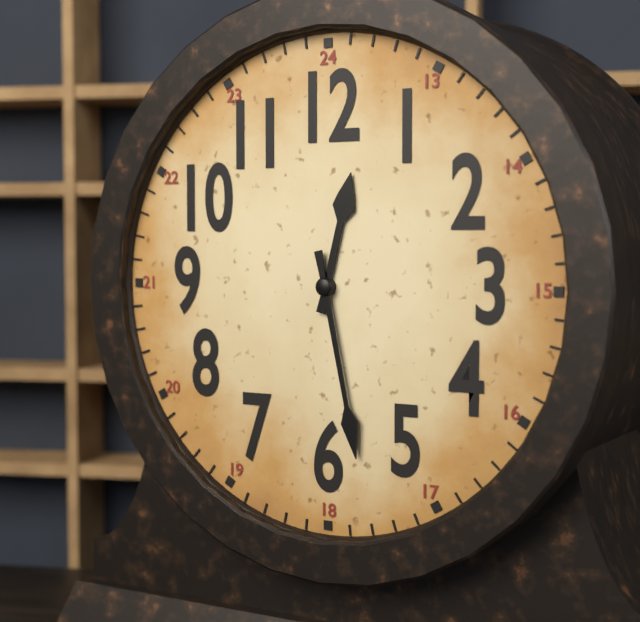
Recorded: 12.28
